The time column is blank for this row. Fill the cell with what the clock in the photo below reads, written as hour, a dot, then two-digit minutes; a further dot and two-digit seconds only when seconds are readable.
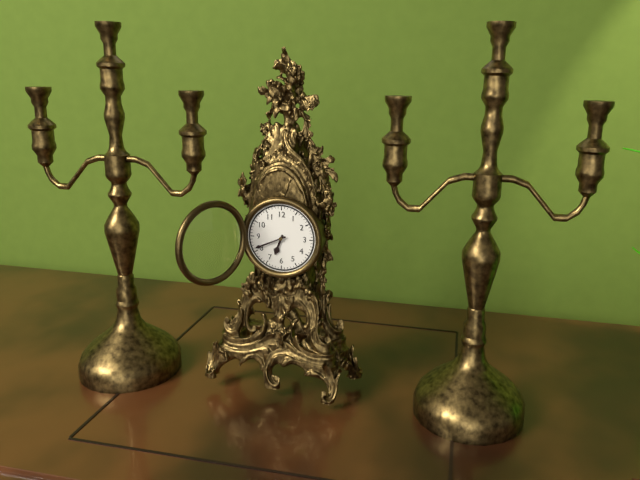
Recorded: 6.41
